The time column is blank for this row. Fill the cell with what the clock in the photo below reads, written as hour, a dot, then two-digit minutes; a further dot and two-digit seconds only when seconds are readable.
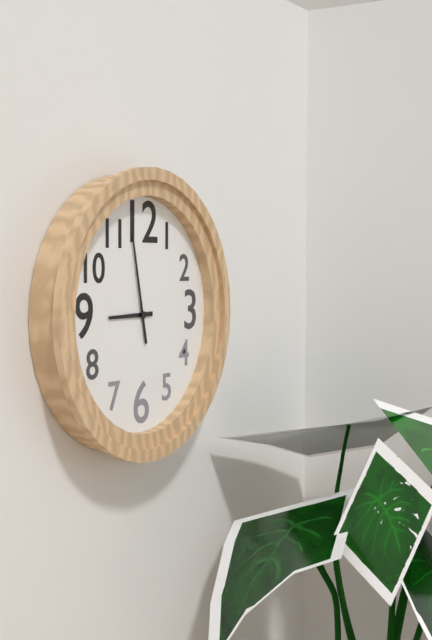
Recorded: 8.58
